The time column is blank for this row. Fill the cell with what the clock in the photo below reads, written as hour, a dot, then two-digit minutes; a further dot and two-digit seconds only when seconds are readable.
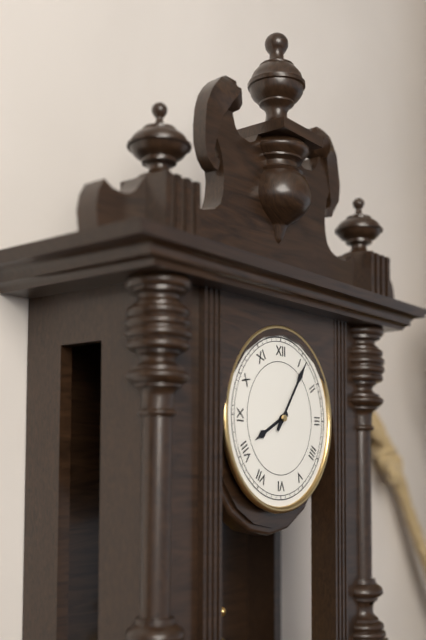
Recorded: 8.06
